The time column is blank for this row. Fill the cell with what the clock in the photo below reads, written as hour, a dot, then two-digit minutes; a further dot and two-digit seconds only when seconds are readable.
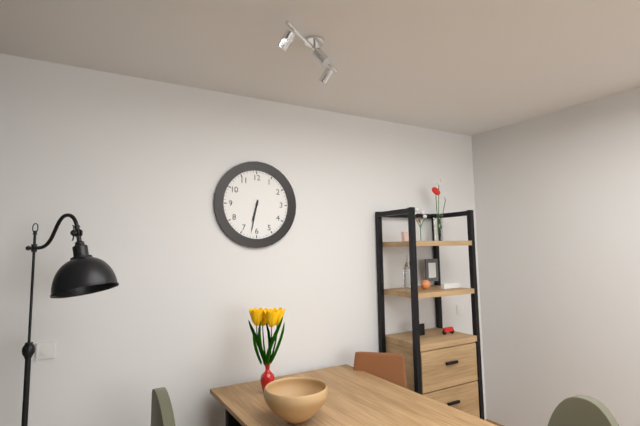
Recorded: 6.32
